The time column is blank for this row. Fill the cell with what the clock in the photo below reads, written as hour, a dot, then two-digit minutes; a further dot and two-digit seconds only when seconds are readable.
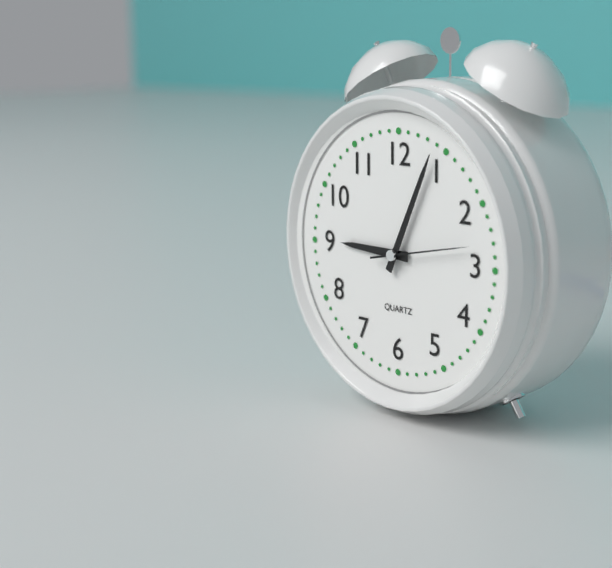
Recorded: 9.04.13
